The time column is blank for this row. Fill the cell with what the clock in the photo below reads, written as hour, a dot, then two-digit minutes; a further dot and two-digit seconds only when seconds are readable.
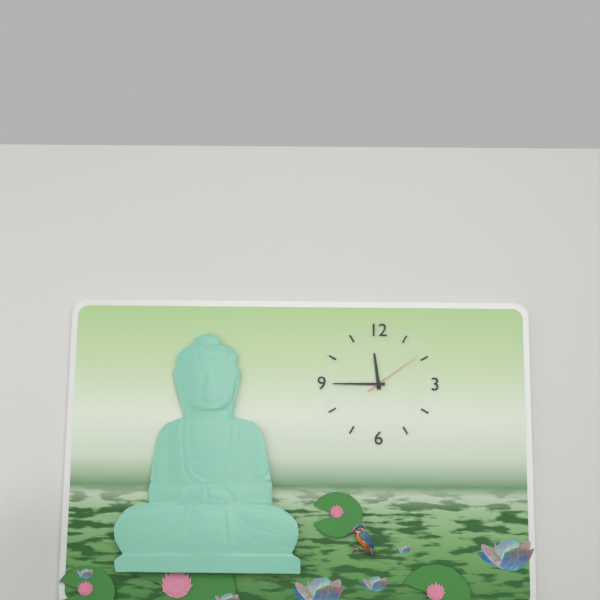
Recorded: 11.45.09
